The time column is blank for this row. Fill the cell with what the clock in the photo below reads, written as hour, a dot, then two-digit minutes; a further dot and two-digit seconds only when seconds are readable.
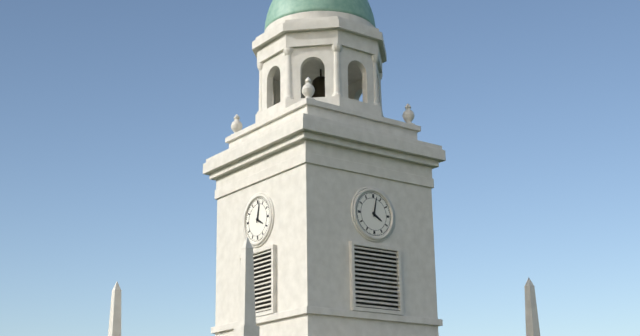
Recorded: 4.02
